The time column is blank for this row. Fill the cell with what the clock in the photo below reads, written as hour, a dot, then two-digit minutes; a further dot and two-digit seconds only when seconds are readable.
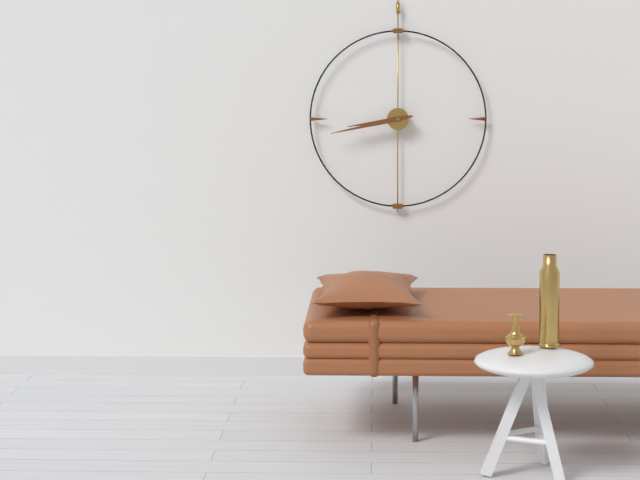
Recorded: 8.43
